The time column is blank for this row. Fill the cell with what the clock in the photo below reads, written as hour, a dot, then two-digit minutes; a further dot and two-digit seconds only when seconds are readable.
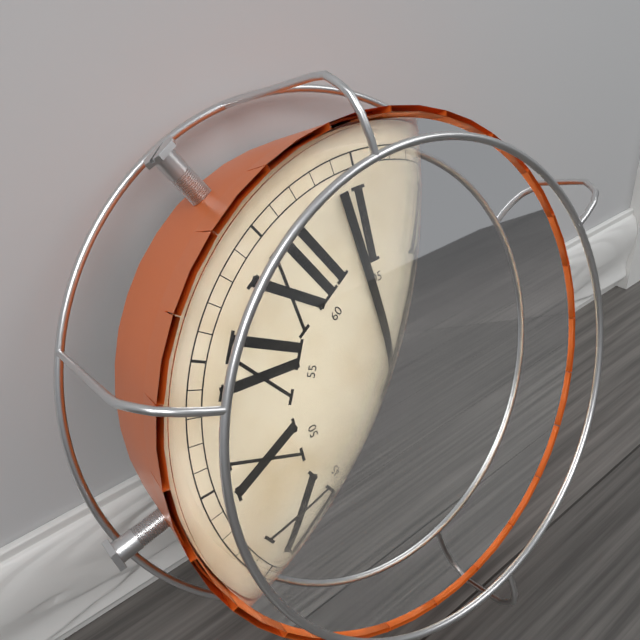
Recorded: 2.04
